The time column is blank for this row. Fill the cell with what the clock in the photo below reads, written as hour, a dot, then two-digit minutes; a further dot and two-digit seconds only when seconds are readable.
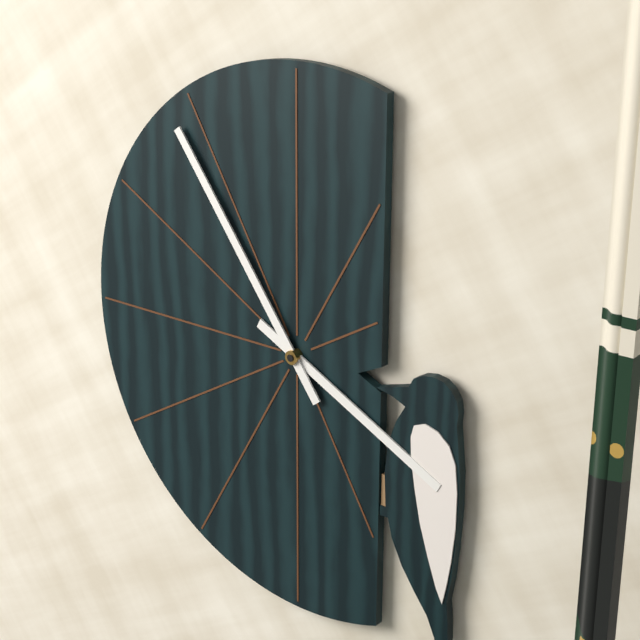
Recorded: 3.54
